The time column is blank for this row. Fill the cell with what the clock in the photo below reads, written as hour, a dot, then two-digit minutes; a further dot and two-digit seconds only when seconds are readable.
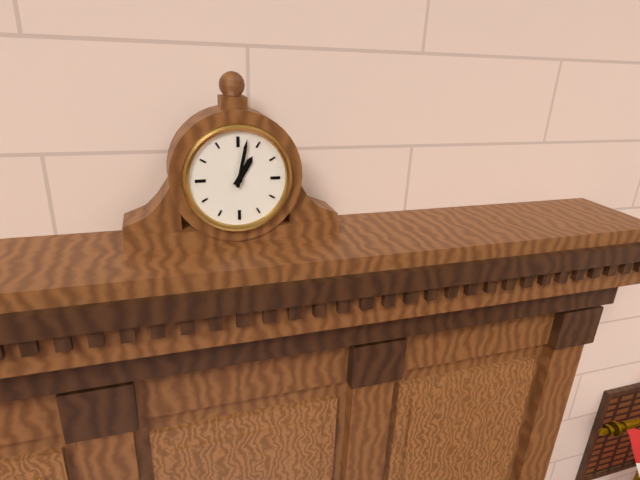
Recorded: 1.02
